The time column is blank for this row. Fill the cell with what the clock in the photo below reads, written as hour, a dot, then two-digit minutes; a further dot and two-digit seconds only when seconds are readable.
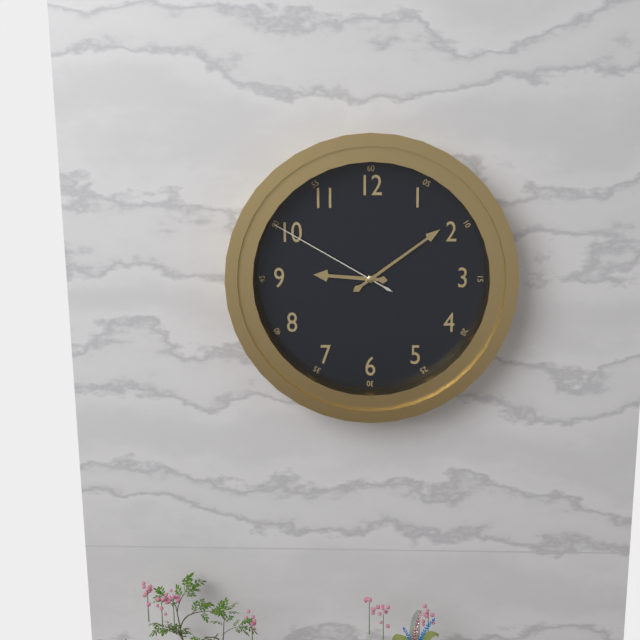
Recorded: 9.09.50
